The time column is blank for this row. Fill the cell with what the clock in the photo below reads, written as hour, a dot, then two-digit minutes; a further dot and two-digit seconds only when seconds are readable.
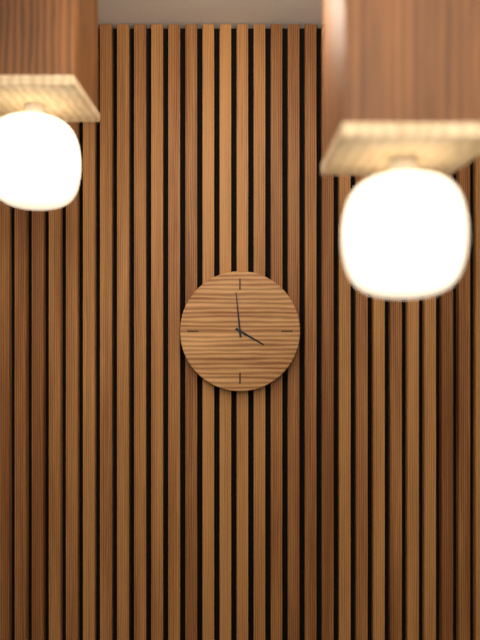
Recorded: 3.59
